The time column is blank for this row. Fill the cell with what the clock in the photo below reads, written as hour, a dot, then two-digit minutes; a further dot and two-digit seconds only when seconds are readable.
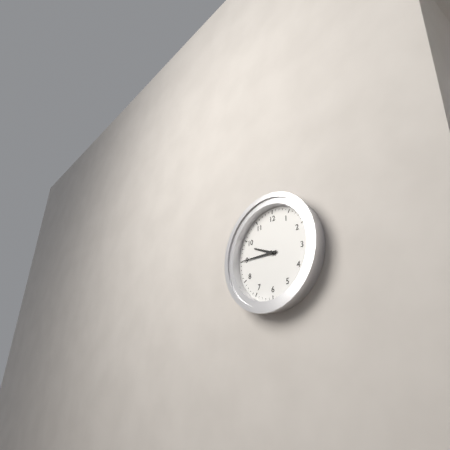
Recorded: 9.45
